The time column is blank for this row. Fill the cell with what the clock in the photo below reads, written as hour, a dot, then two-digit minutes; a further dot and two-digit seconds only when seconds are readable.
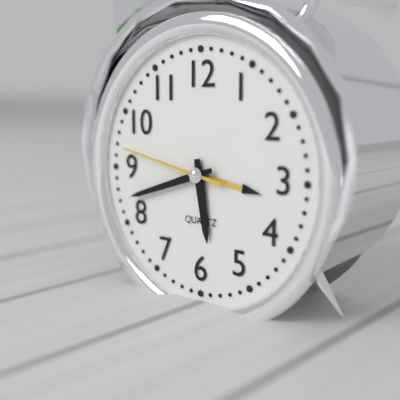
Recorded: 5.42.47
